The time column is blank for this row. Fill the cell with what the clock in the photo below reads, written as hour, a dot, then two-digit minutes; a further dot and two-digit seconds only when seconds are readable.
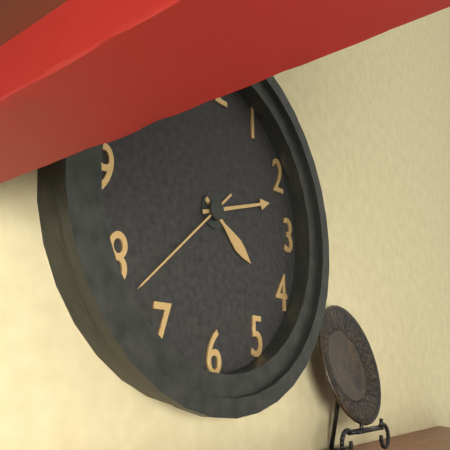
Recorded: 4.12.38
